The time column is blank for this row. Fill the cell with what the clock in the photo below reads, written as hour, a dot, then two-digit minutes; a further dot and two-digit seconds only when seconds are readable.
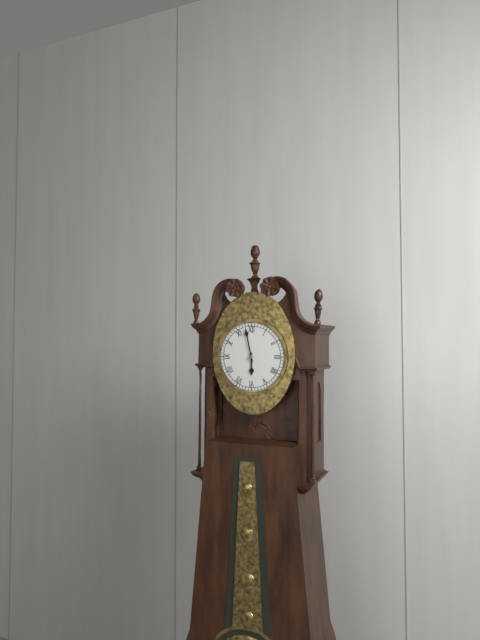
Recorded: 5.58
